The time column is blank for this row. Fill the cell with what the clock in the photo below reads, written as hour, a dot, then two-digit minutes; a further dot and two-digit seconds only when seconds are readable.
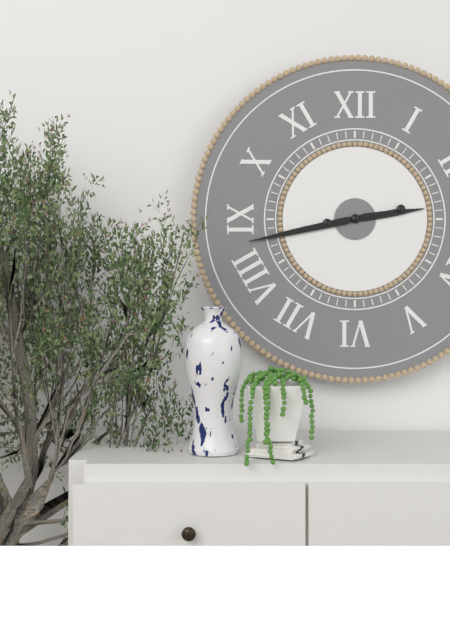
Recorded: 2.43
